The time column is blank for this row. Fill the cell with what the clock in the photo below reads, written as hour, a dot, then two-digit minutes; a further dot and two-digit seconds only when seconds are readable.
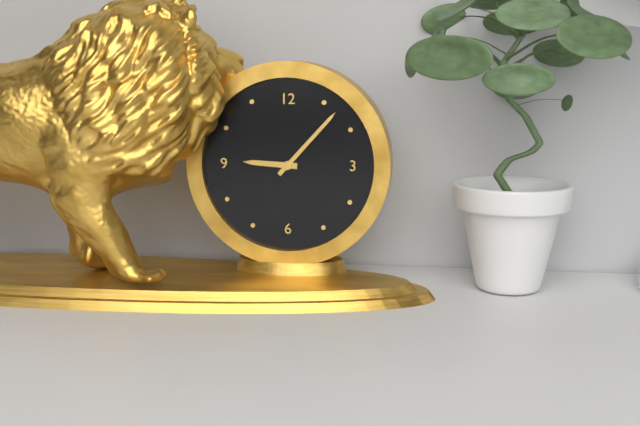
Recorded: 9.07
